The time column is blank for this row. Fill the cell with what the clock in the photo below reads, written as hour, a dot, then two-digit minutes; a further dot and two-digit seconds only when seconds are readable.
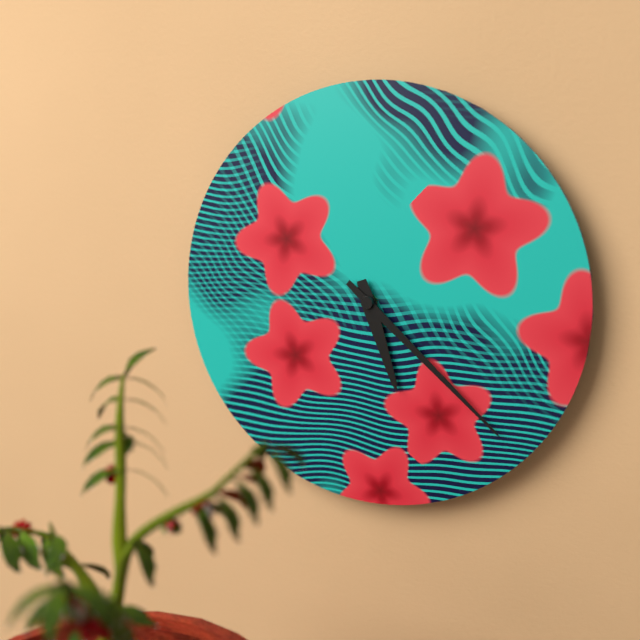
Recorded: 5.22
